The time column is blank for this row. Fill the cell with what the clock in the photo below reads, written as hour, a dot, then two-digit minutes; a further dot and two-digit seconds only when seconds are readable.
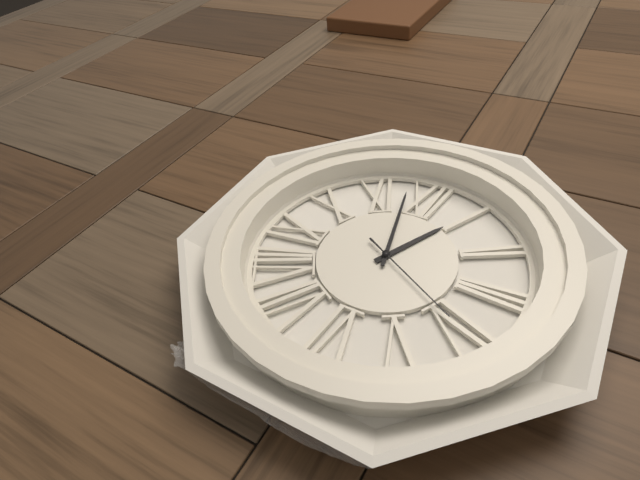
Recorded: 12.58.20
